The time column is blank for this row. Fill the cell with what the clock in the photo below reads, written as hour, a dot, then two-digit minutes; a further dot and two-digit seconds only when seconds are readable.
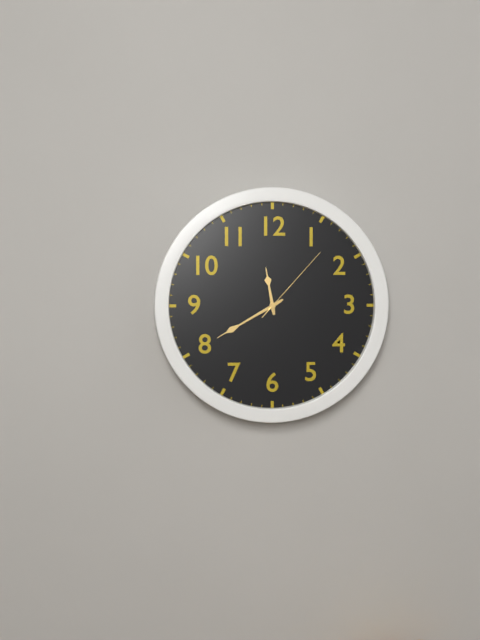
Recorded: 11.40.07
